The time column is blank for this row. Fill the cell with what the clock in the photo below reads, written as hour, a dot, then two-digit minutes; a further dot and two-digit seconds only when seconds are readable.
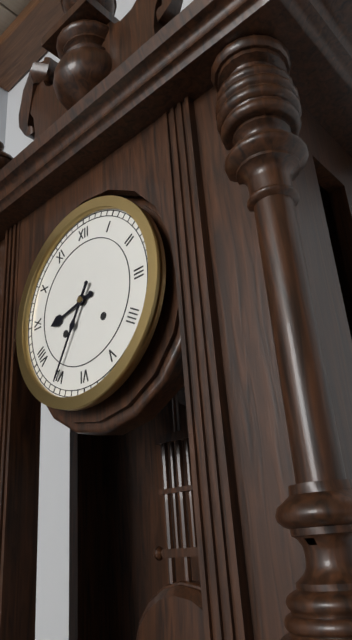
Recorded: 8.35
